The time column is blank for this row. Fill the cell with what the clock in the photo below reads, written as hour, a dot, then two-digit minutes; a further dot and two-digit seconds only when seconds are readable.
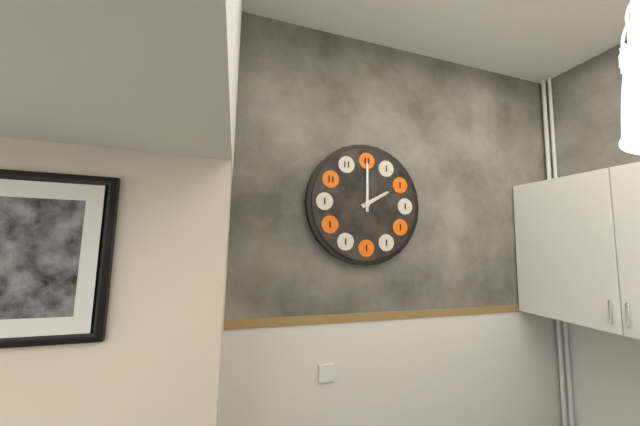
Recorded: 2.00
